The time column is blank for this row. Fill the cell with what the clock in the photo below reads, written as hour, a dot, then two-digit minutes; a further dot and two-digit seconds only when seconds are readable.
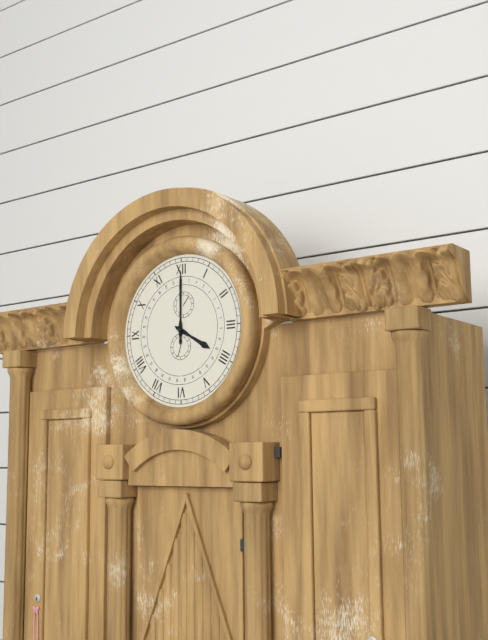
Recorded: 4.00
